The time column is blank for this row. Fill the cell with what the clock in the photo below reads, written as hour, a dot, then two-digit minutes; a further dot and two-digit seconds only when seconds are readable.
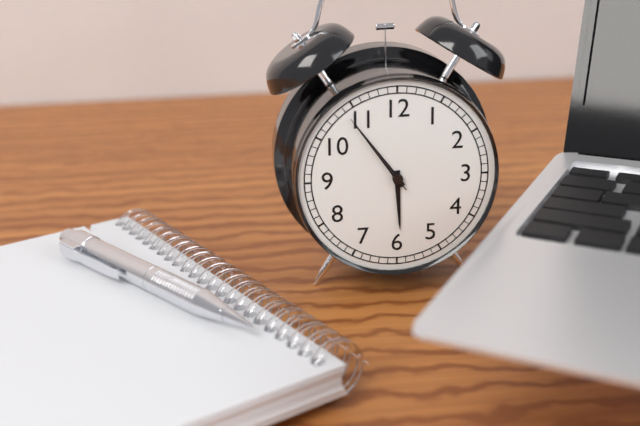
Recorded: 5.54.54
